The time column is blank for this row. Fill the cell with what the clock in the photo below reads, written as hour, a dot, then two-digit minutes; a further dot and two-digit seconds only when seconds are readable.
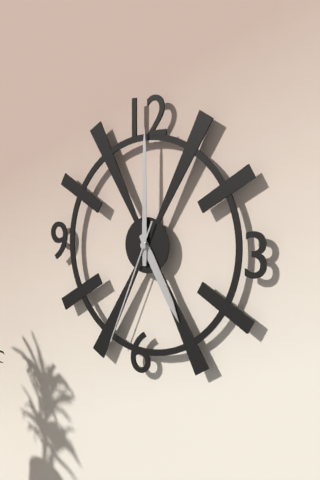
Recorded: 5.00.34
